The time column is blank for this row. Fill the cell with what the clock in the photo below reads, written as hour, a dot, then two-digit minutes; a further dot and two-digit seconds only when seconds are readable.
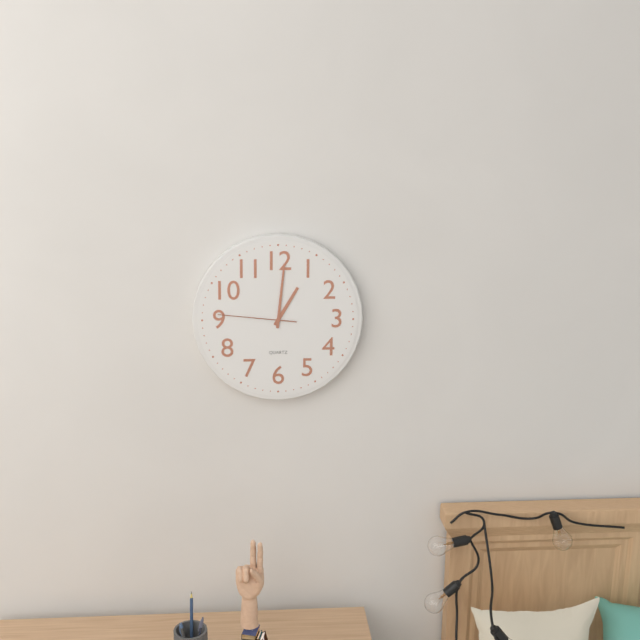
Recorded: 1.01.46
